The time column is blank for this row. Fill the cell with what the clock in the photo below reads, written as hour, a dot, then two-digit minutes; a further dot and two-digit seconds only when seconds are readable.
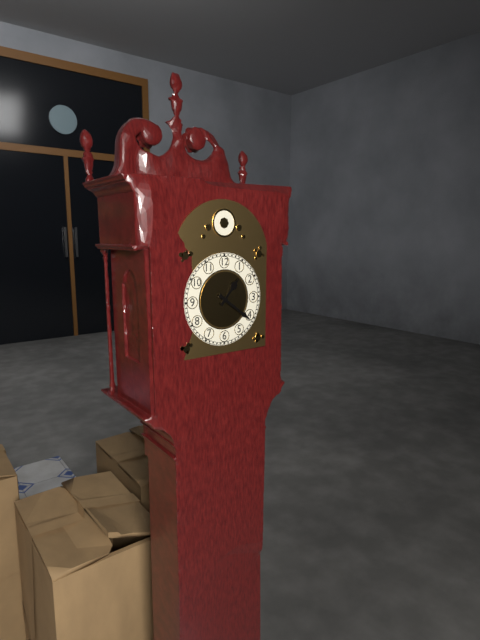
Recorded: 1.21
